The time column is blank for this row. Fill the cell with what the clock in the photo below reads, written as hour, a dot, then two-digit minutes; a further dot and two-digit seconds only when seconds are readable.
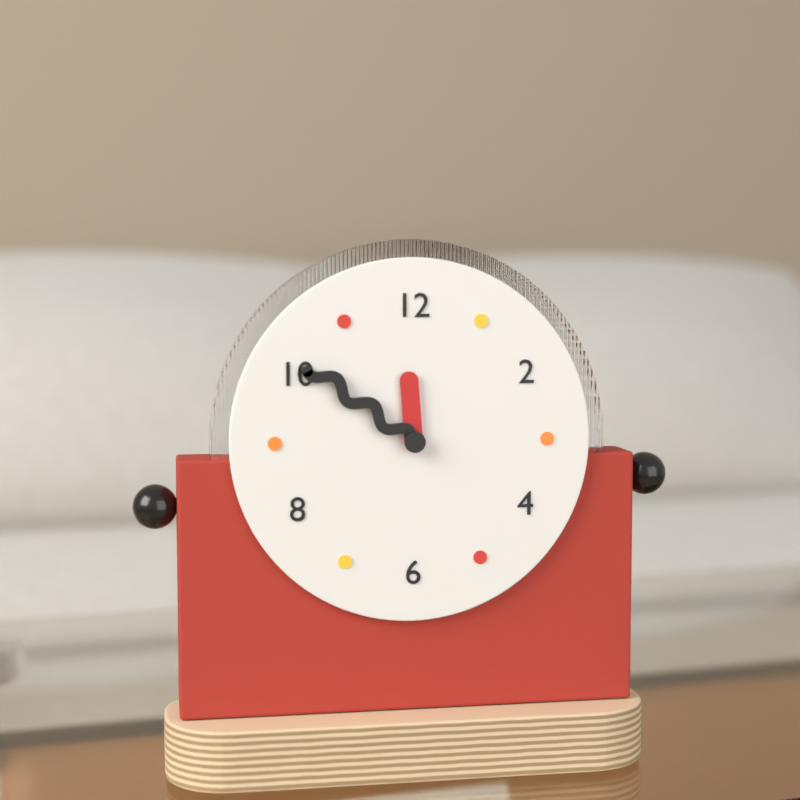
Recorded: 11.51
